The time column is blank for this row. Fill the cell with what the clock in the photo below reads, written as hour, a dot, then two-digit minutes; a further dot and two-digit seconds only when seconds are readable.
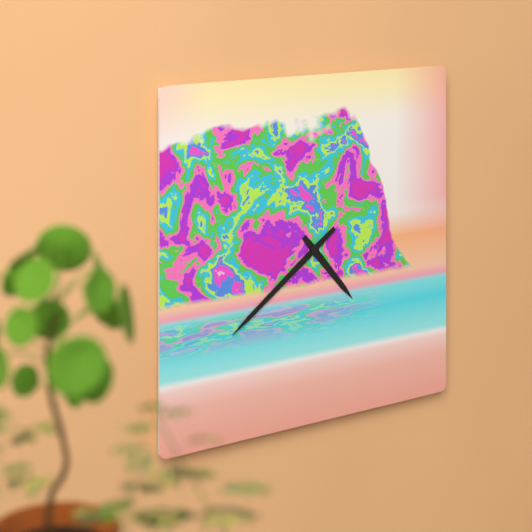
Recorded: 4.39
